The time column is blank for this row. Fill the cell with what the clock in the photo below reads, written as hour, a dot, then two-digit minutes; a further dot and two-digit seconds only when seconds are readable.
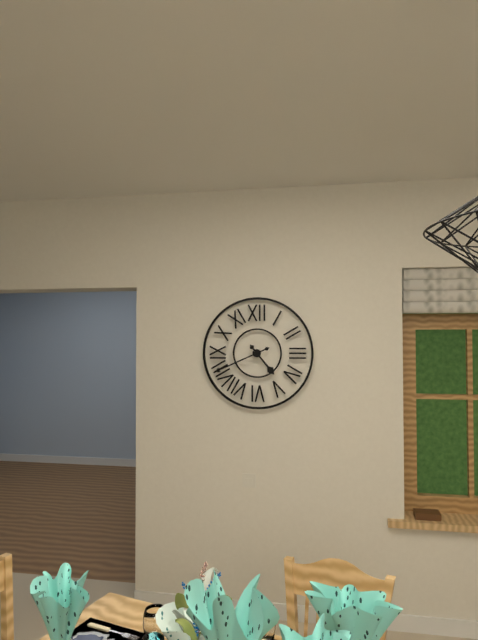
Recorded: 4.41
